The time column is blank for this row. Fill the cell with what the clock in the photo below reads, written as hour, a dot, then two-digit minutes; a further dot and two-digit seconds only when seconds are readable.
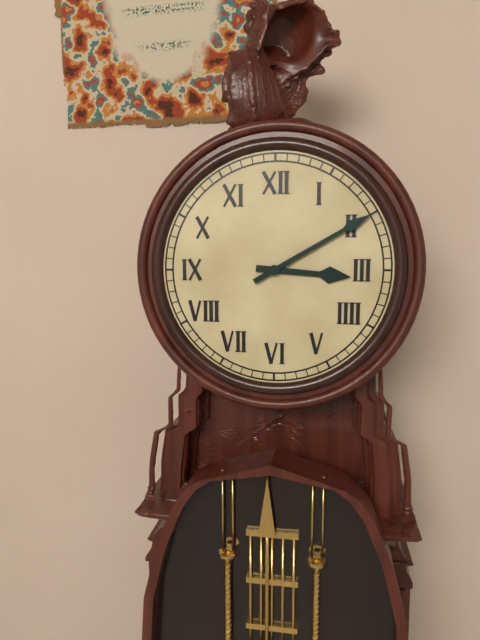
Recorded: 3.10
